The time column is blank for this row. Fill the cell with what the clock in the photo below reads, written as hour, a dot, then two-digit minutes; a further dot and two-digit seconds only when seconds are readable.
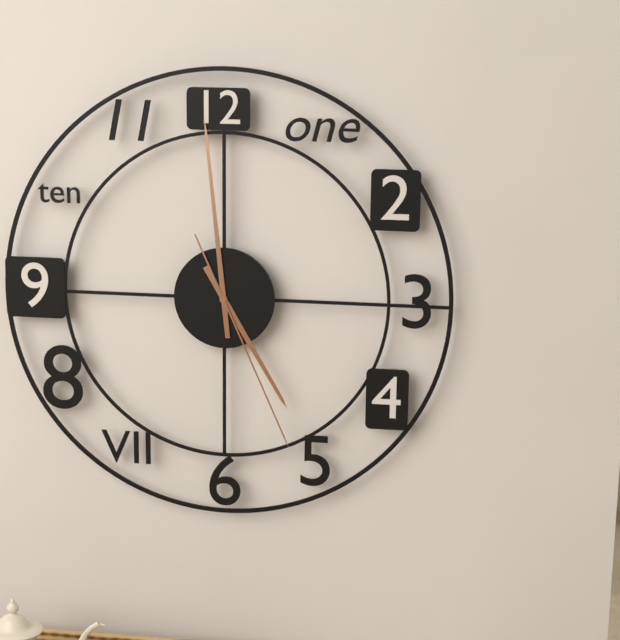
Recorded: 4.59.26
